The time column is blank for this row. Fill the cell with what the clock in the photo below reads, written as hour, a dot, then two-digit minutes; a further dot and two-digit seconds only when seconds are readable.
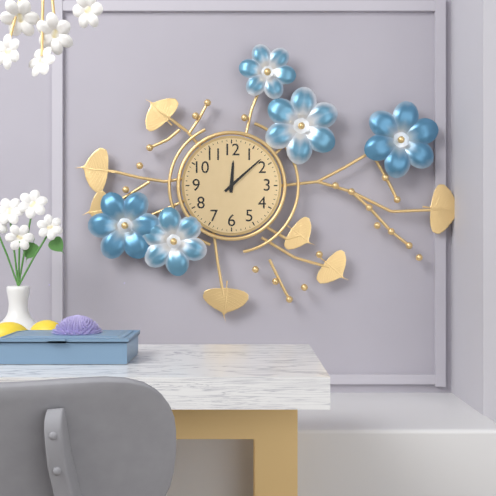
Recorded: 12.08
